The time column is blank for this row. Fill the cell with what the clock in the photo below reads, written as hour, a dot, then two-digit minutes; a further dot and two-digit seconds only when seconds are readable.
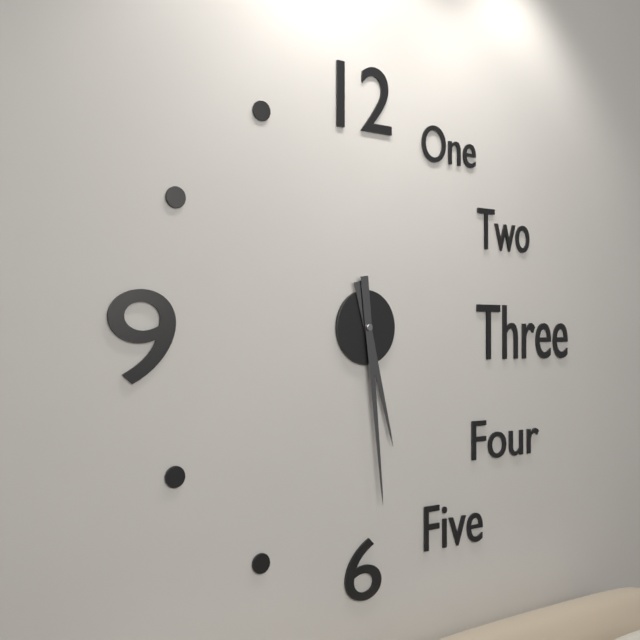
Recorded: 5.29
